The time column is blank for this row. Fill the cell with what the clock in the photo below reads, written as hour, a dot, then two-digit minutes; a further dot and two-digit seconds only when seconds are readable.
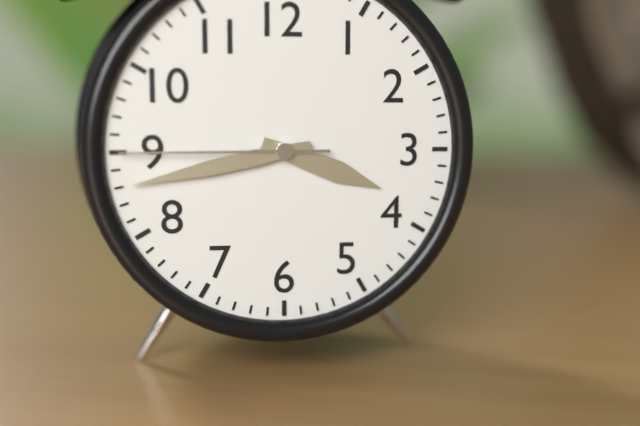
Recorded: 3.43.45
